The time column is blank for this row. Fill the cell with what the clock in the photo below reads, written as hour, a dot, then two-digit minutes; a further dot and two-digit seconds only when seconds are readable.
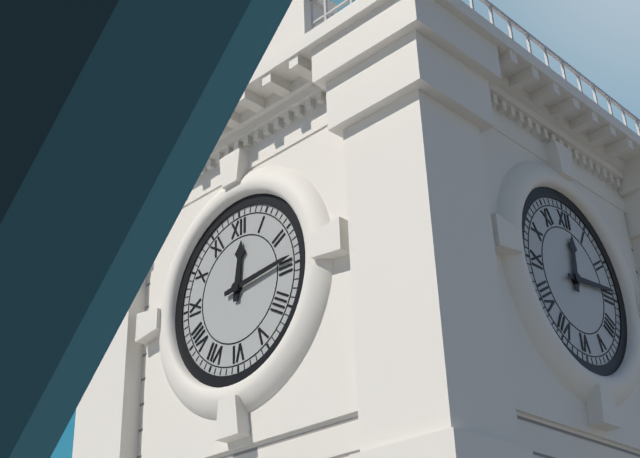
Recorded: 12.14
